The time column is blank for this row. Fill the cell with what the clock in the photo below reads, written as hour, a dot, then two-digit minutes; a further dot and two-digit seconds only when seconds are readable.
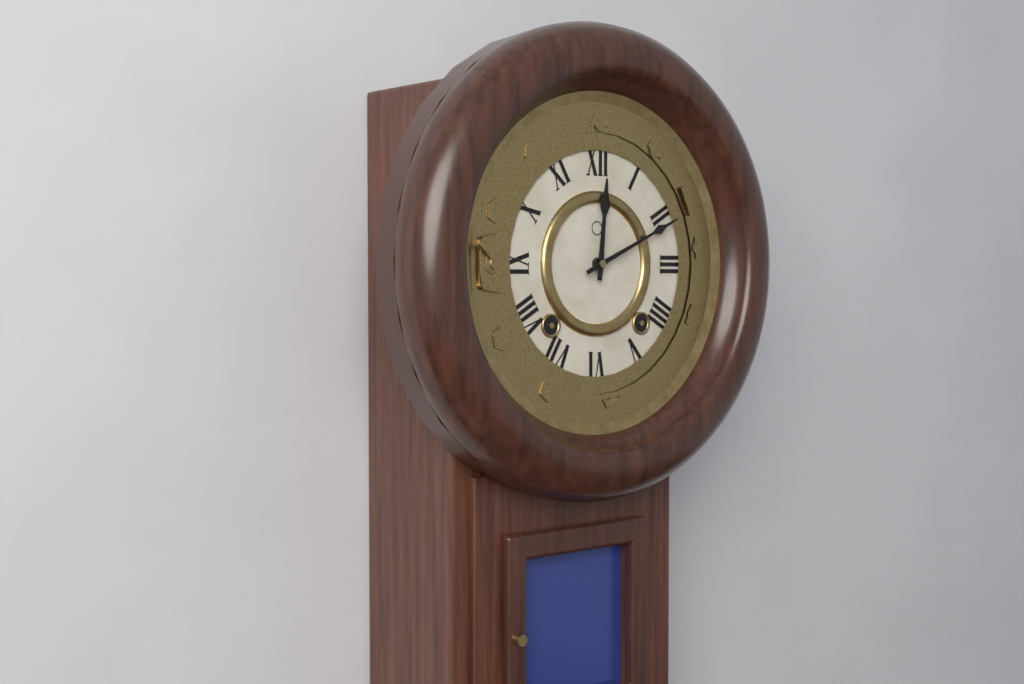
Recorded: 12.11
